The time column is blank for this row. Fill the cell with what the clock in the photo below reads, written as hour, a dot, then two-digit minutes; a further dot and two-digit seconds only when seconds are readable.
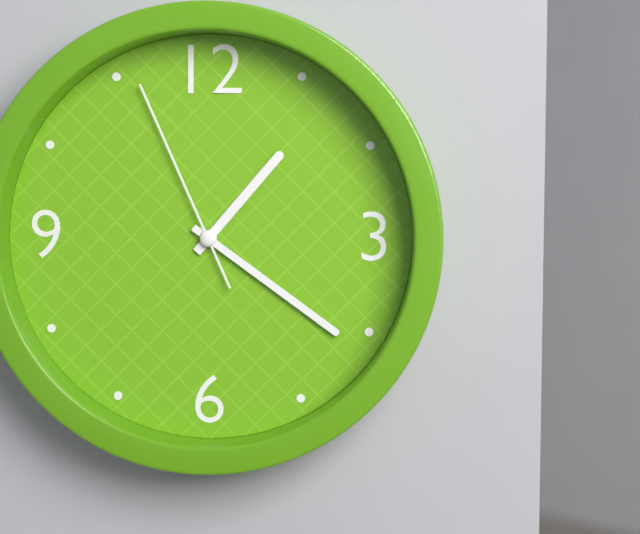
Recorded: 1.21.56
